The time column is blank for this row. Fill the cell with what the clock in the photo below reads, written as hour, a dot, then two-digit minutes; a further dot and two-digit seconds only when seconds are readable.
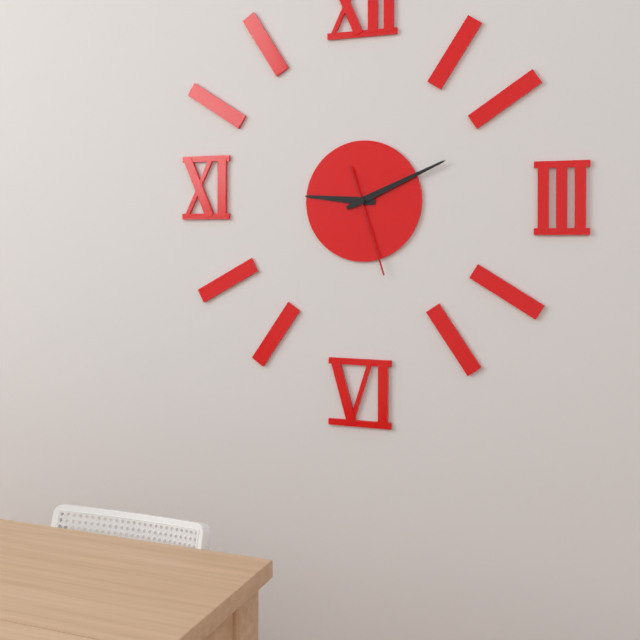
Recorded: 9.11.27
